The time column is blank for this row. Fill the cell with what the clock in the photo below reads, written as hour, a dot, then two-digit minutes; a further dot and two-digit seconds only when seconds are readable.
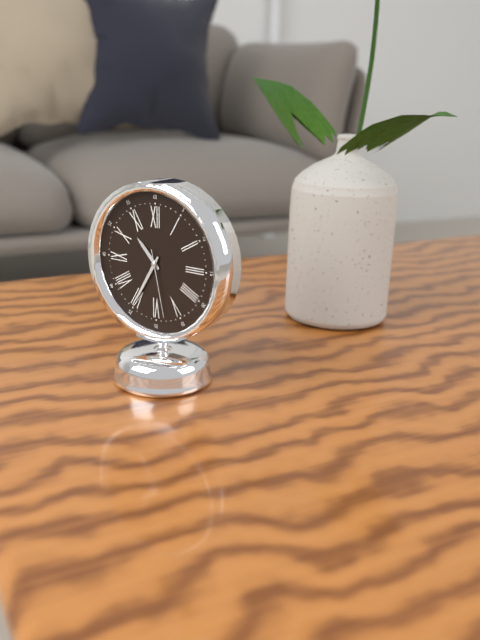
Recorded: 10.35.28
